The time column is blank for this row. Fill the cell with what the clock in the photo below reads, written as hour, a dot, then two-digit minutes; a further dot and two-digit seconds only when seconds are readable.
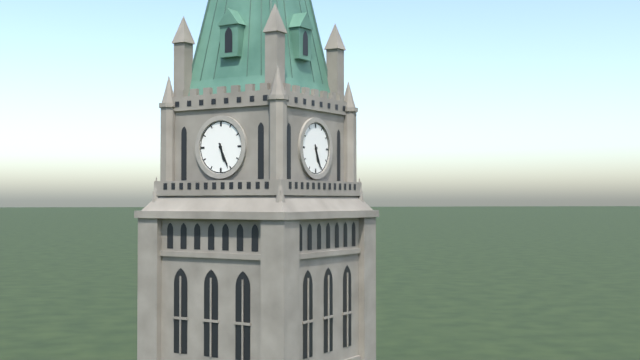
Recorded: 5.26
